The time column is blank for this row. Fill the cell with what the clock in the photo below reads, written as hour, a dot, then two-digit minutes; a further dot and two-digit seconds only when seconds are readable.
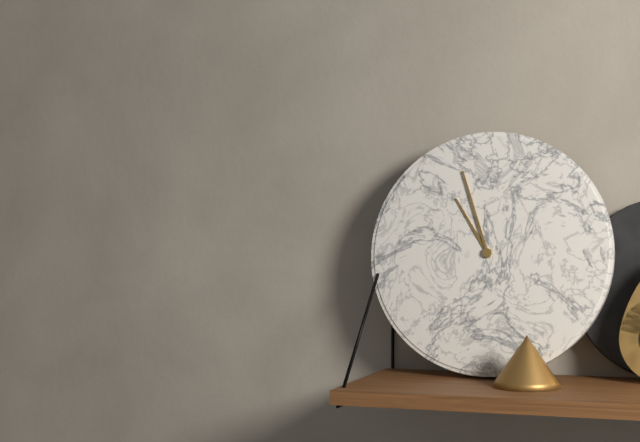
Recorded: 10.57
